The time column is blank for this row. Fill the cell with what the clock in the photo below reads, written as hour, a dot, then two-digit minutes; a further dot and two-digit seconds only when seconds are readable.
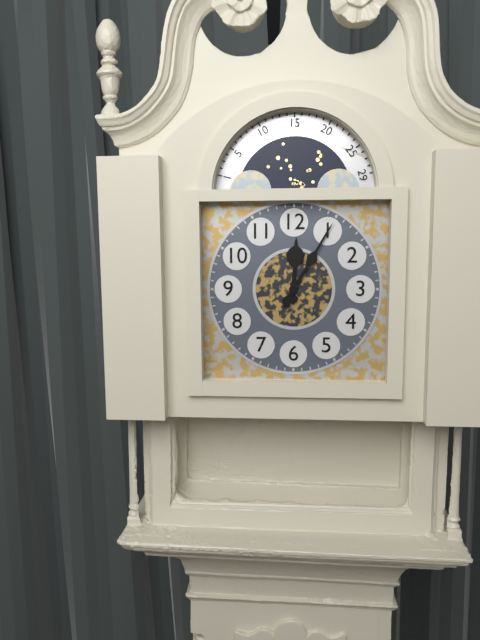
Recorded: 12.05
